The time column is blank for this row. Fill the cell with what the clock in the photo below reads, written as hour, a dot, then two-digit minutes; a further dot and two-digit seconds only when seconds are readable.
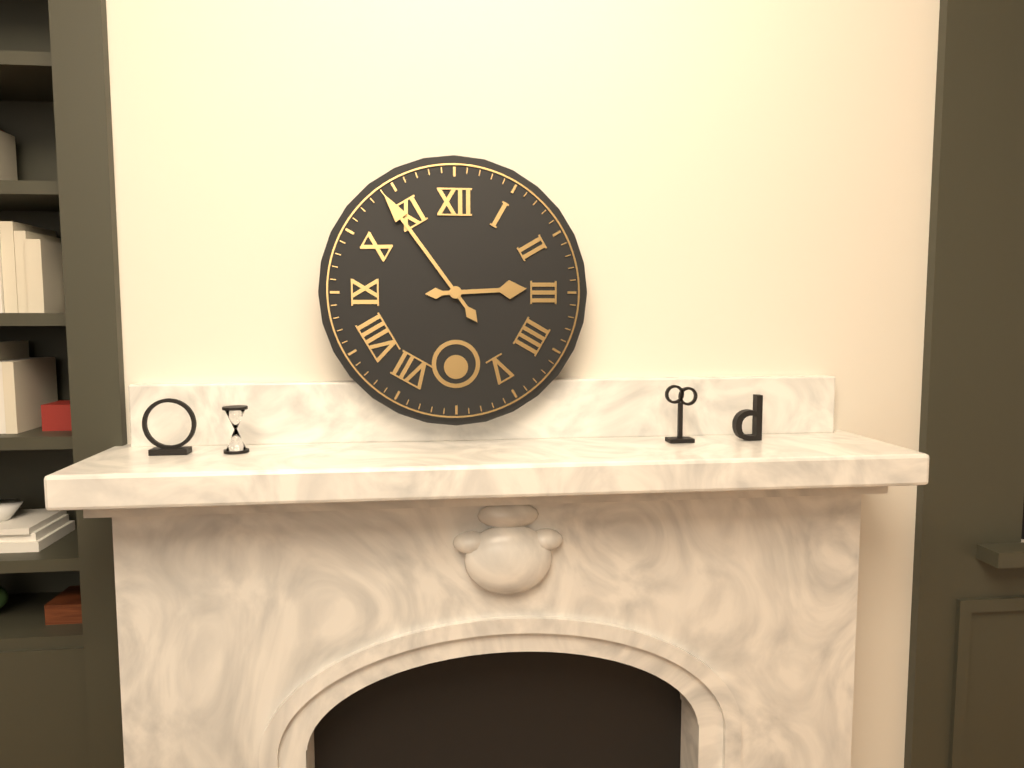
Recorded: 2.54
